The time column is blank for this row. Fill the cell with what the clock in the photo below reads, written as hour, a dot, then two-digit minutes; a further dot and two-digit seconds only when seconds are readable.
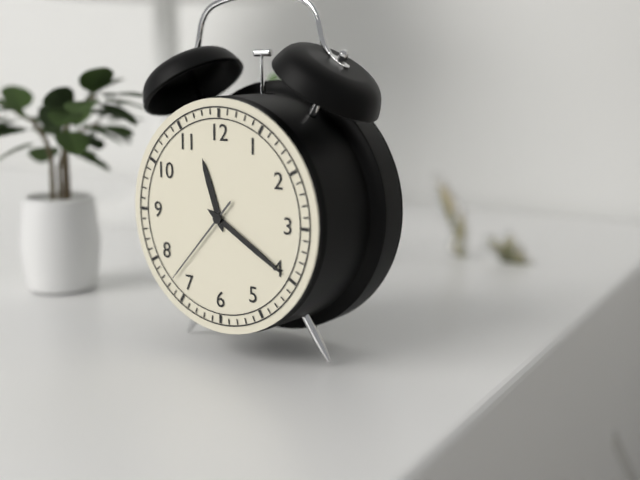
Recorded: 11.20.37
